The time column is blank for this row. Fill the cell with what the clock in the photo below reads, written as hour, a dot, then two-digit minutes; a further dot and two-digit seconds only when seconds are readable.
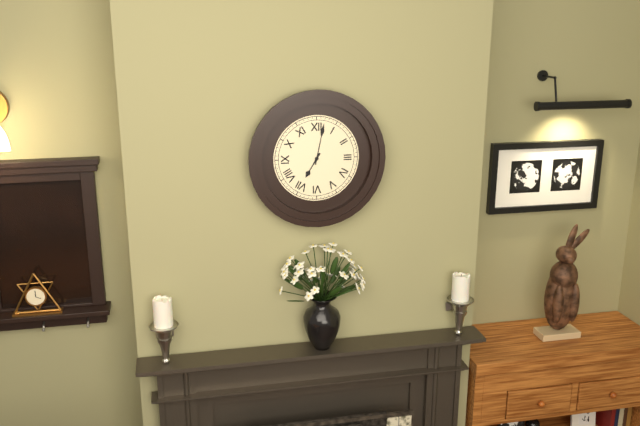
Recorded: 7.02
